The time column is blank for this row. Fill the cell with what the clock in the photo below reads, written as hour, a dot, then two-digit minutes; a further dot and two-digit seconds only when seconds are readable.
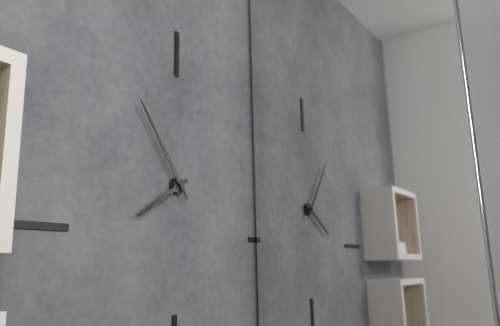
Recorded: 7.54
